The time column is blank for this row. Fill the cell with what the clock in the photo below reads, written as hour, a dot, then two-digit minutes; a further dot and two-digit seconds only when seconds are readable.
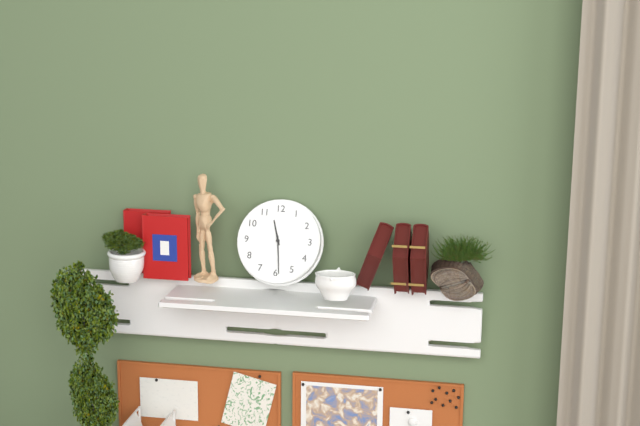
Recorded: 11.29
